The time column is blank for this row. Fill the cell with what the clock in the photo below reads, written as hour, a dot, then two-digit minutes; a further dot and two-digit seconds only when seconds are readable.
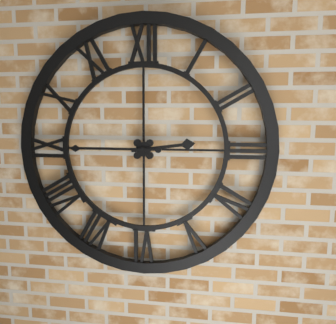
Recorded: 2.45
